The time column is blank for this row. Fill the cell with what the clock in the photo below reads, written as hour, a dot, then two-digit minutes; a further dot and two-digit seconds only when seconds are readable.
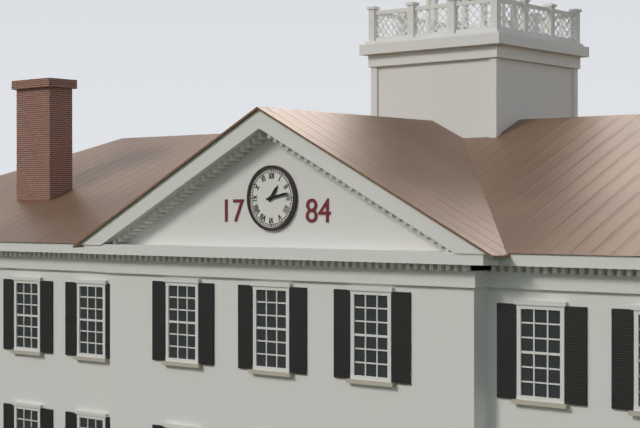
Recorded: 1.13
